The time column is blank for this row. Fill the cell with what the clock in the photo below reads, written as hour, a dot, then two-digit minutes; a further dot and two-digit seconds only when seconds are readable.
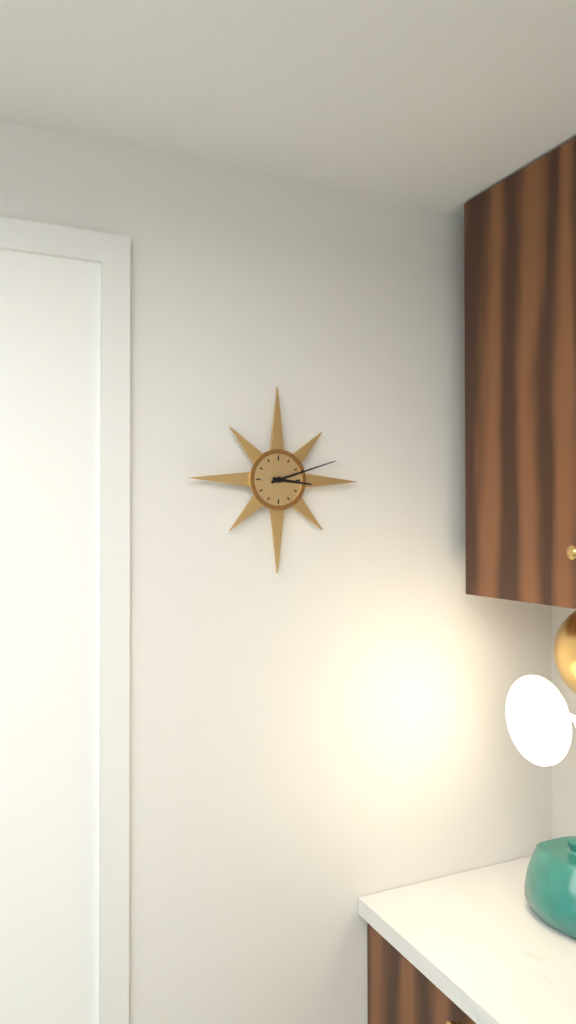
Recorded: 3.12
